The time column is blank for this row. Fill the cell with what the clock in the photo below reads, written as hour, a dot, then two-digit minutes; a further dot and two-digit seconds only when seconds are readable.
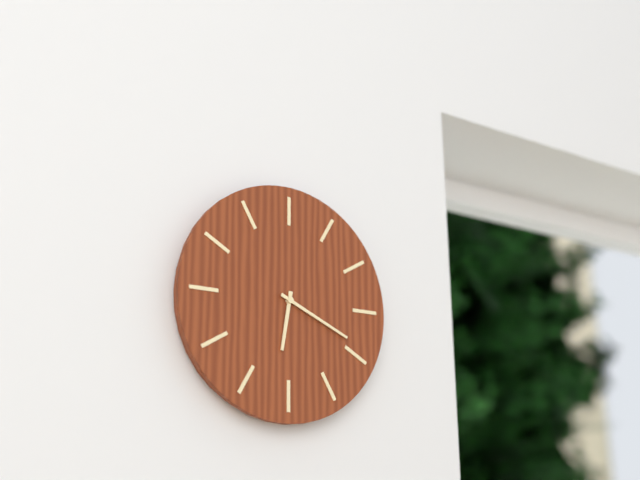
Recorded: 6.19
